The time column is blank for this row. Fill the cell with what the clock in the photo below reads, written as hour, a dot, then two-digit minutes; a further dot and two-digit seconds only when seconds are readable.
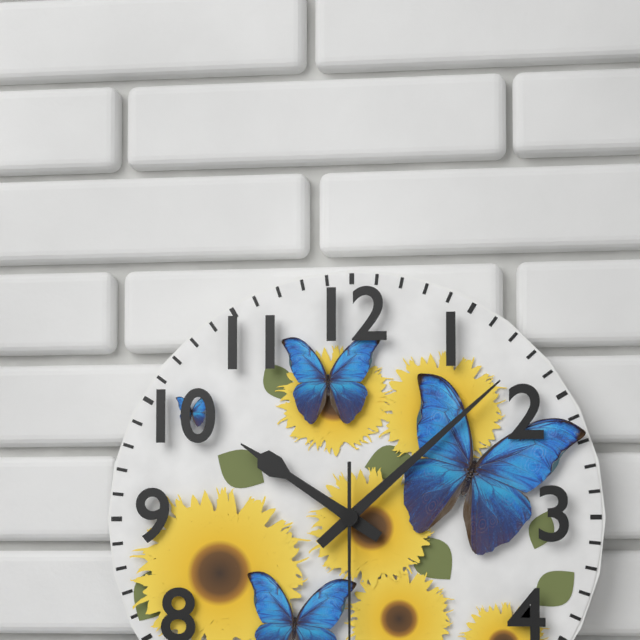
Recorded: 10.08
